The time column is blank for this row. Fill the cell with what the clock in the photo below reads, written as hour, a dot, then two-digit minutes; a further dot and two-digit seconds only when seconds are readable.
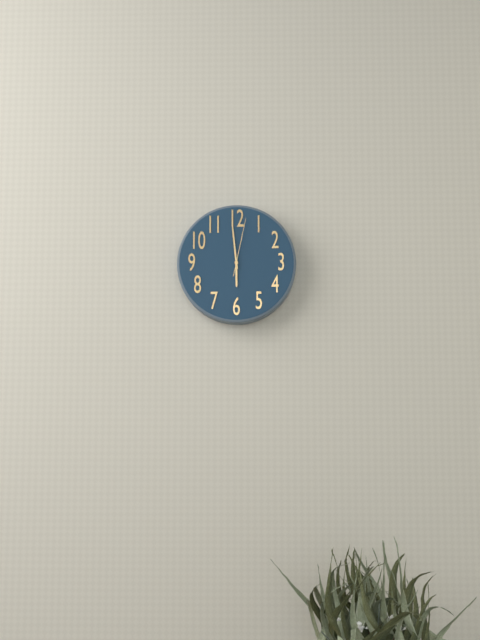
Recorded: 5.59.02
